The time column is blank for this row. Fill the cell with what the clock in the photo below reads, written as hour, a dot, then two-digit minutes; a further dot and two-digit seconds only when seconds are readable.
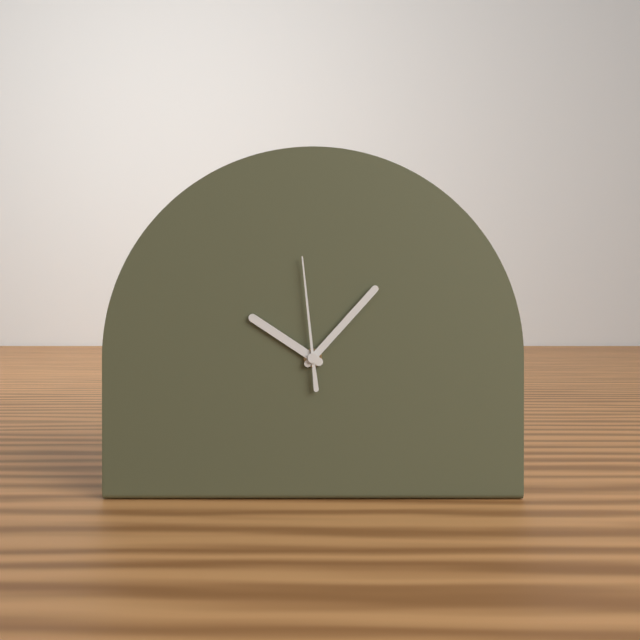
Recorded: 10.07.59
